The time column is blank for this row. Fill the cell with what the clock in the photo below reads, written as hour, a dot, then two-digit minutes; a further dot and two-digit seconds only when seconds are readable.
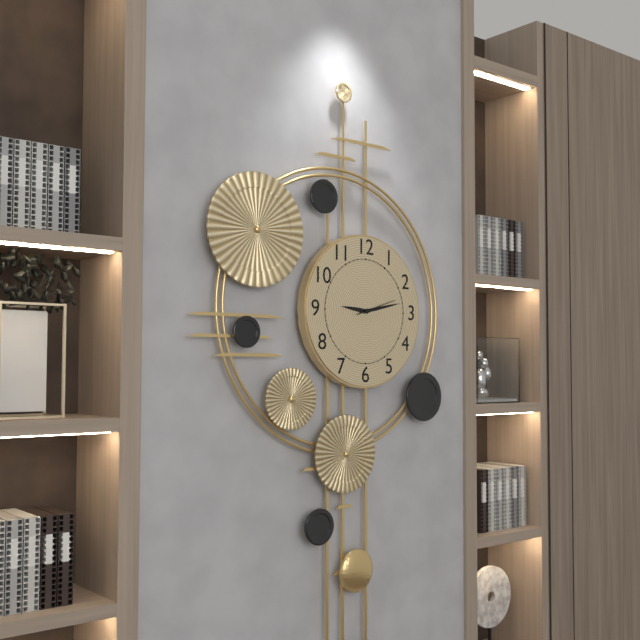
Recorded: 9.13
